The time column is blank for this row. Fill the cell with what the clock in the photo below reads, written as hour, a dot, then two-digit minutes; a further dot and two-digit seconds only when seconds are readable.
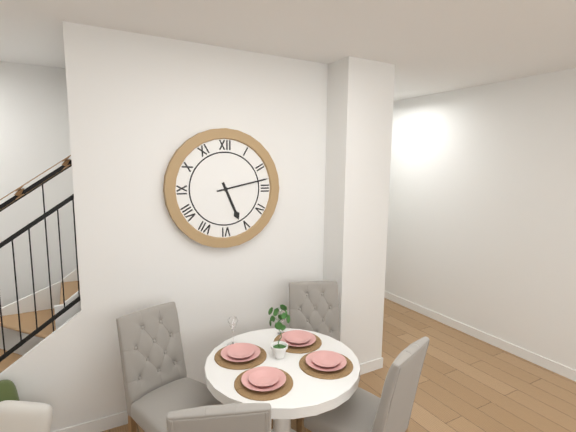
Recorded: 5.13
